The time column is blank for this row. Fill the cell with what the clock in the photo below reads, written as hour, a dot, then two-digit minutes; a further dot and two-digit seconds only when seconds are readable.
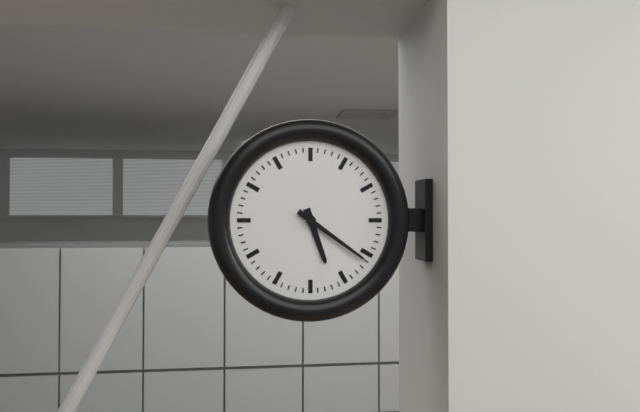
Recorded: 5.21
